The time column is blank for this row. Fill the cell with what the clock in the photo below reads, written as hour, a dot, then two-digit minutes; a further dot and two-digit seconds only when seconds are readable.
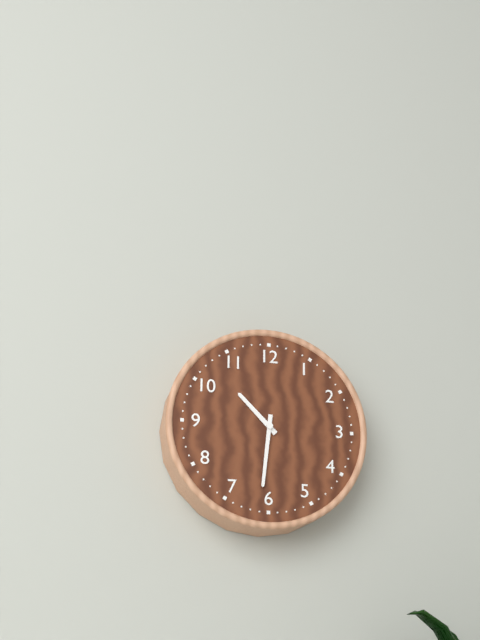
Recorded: 10.31
